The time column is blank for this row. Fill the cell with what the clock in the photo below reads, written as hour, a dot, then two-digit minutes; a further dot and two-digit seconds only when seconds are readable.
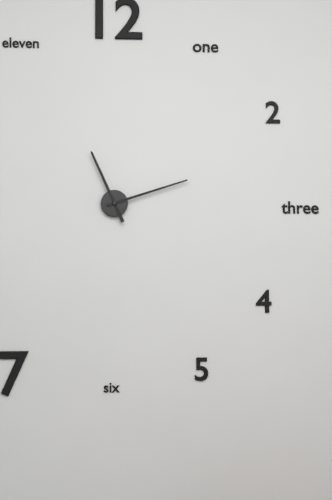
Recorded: 11.12
